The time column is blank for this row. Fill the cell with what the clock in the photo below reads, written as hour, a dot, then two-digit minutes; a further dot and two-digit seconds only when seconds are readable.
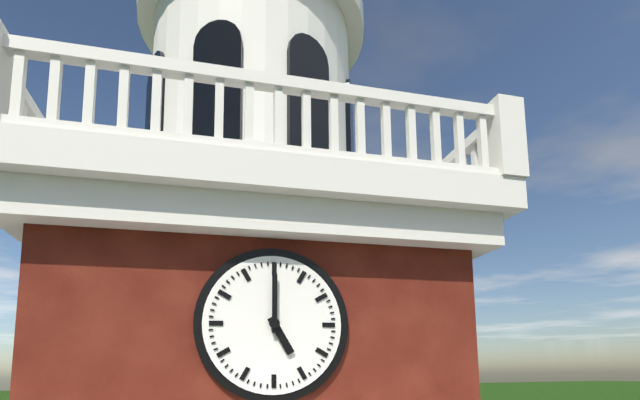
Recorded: 5.00
